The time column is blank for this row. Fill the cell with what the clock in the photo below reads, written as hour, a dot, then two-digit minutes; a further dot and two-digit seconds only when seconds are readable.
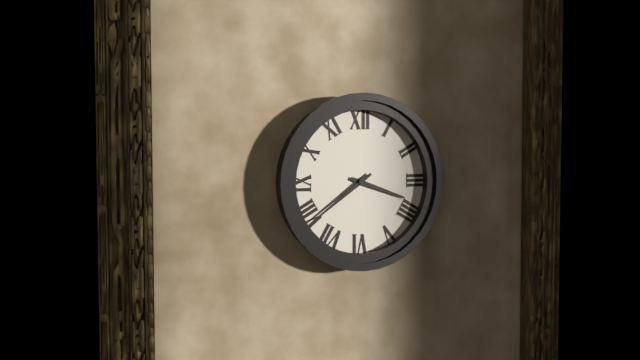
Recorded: 3.39
